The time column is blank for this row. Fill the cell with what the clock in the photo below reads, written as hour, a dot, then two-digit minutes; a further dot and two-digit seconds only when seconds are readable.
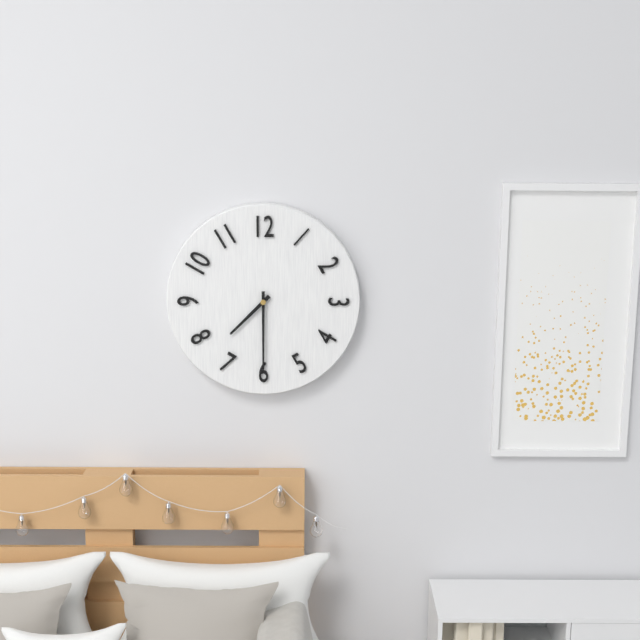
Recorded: 7.30
